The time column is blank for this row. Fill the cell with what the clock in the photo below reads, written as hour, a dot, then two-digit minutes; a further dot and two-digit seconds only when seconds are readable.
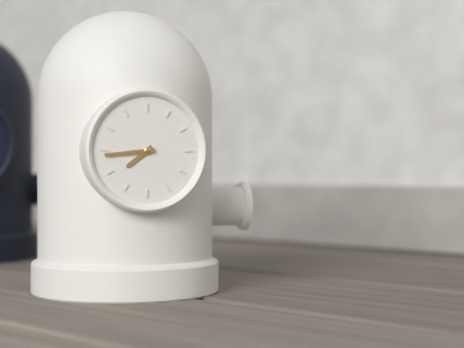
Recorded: 7.44
